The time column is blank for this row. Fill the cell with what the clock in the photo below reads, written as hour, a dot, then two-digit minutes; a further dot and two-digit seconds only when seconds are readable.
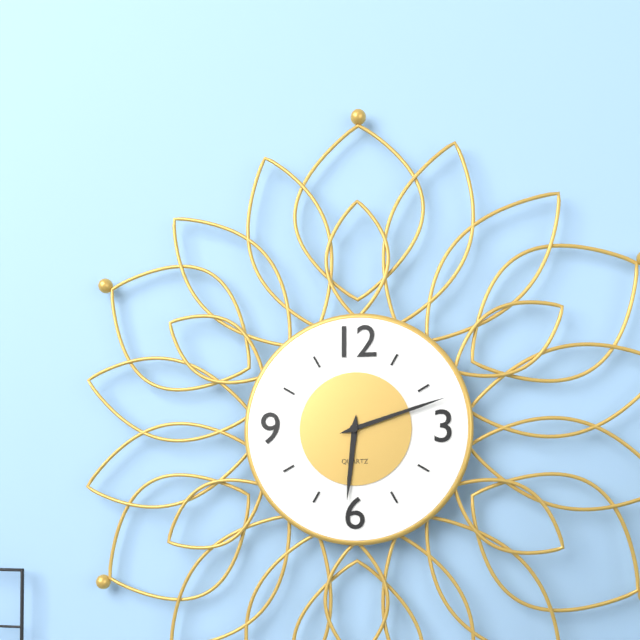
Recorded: 6.12
